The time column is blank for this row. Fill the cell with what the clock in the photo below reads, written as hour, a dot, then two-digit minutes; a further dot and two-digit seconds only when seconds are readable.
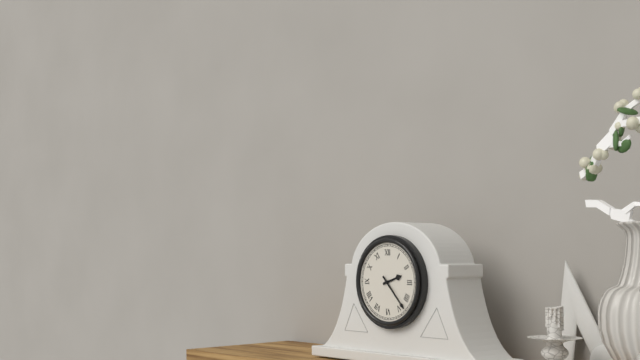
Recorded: 2.23
